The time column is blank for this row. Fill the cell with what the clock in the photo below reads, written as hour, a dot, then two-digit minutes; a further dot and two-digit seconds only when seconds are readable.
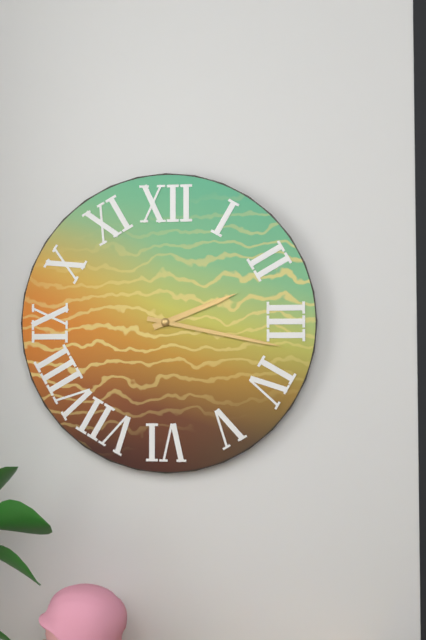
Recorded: 2.17
